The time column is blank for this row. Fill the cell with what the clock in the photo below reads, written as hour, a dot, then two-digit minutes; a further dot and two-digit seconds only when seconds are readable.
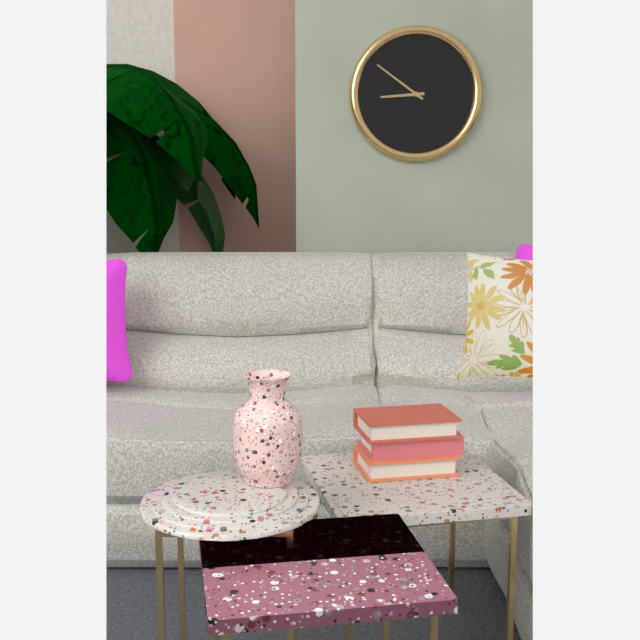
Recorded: 8.51
